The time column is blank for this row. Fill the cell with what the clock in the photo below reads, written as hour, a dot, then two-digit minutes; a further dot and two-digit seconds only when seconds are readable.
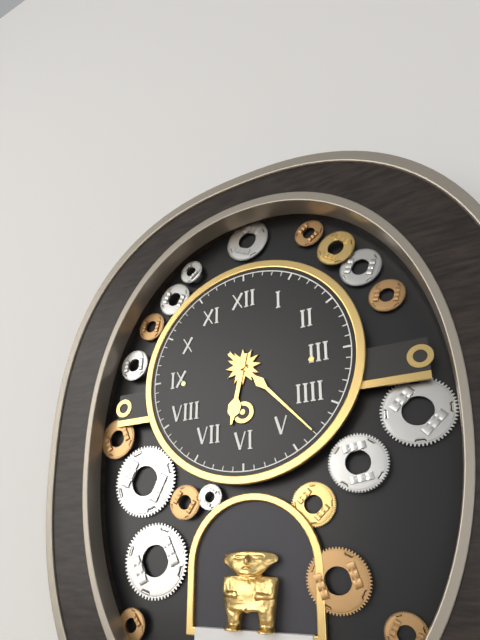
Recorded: 6.23
